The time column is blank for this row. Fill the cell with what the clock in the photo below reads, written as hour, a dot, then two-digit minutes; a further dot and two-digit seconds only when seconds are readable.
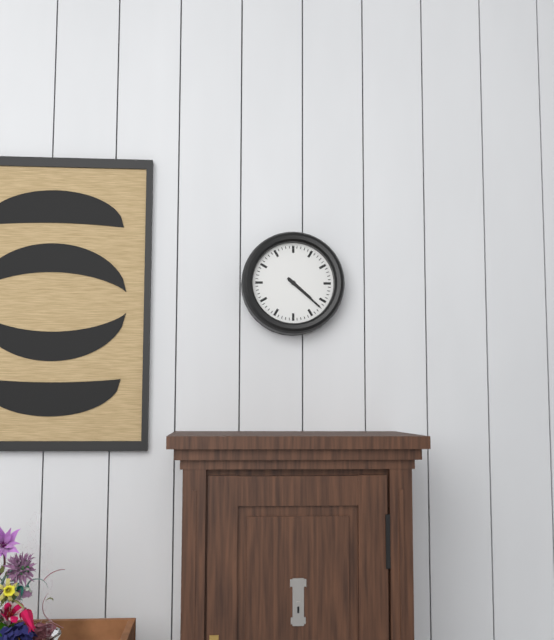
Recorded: 4.22
